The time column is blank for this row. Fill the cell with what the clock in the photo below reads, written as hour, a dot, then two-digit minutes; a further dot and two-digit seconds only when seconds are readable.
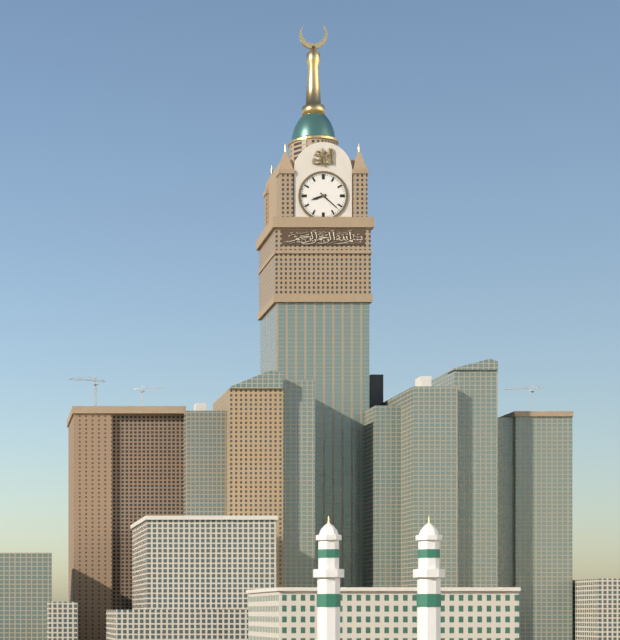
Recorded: 8.22
